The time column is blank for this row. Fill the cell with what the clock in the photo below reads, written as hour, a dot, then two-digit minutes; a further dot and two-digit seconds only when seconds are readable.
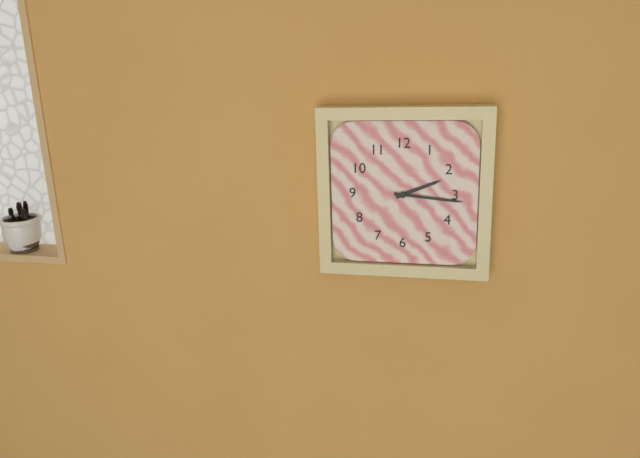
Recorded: 2.16
